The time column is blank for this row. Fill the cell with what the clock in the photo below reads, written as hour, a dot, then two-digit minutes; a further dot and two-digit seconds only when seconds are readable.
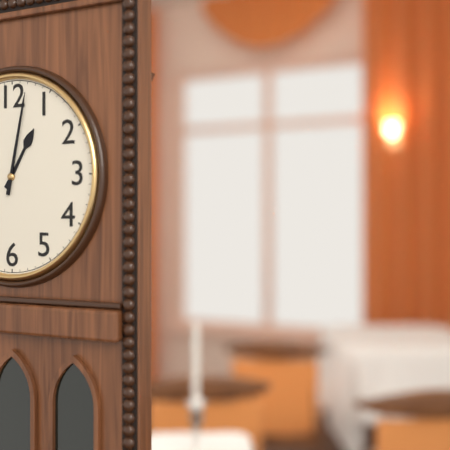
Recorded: 1.02
